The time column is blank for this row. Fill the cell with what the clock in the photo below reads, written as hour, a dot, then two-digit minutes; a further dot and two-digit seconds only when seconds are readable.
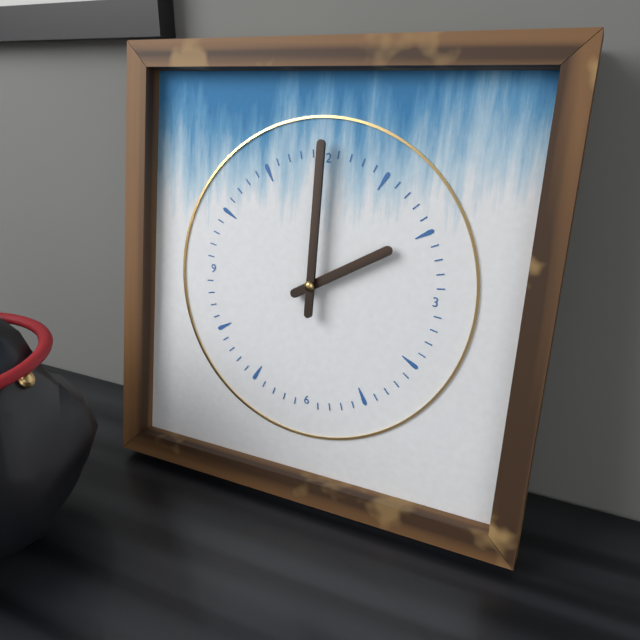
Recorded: 2.00
